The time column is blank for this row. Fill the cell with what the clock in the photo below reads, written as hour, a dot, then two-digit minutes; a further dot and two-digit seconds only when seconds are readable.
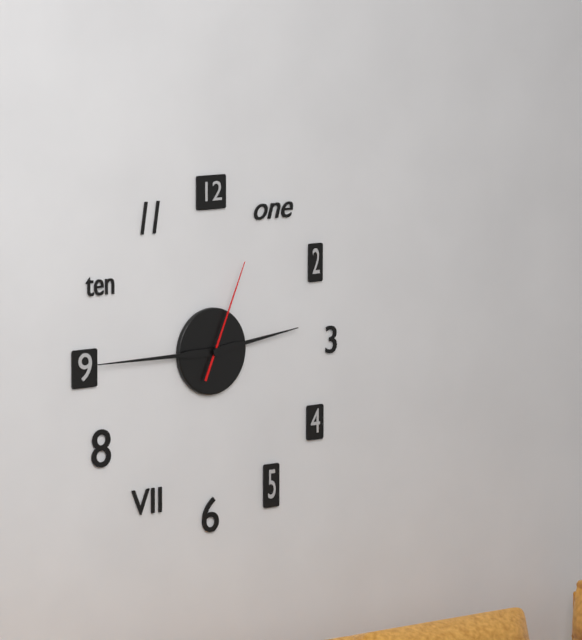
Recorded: 2.45.04
